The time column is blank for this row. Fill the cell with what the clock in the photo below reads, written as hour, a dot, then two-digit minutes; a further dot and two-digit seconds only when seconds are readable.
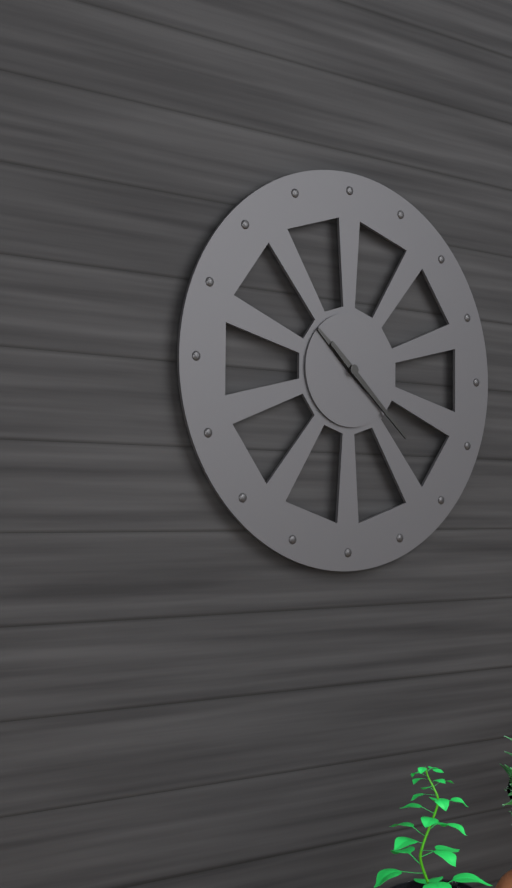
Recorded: 10.22
